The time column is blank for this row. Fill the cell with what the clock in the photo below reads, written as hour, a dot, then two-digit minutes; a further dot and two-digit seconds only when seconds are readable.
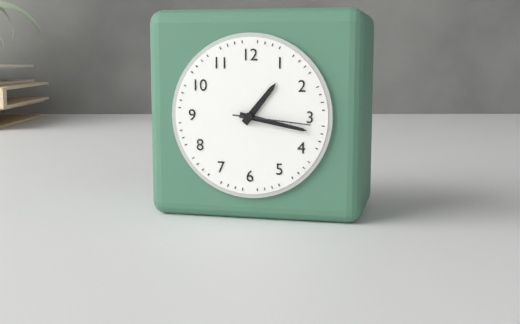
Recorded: 1.17.16
